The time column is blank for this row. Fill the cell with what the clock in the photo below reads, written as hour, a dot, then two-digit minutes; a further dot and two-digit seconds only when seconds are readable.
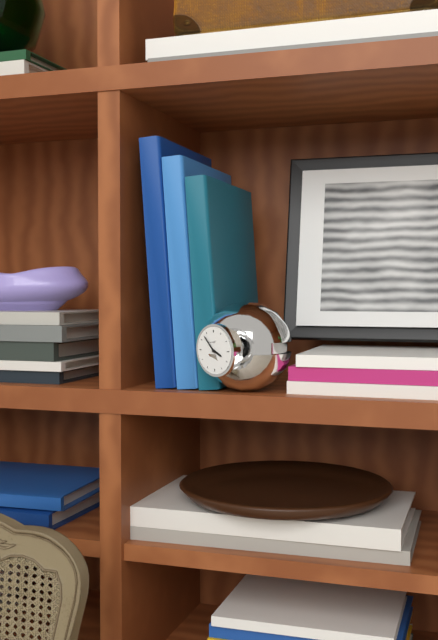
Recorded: 3.53
